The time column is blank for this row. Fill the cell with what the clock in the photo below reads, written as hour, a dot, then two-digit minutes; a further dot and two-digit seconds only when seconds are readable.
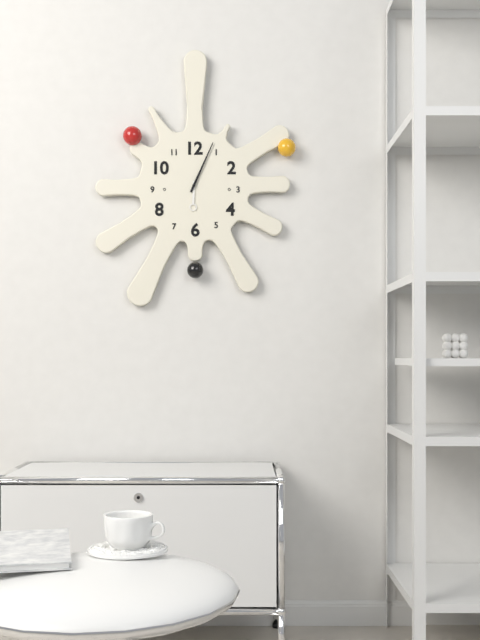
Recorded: 6.04
